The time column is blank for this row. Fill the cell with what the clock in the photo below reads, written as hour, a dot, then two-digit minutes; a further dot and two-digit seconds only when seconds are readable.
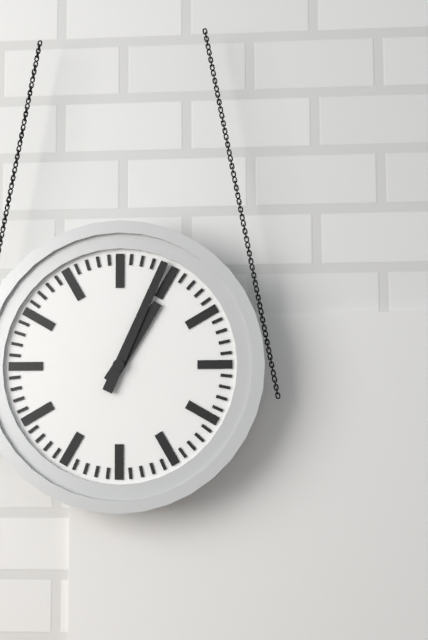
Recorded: 1.04
